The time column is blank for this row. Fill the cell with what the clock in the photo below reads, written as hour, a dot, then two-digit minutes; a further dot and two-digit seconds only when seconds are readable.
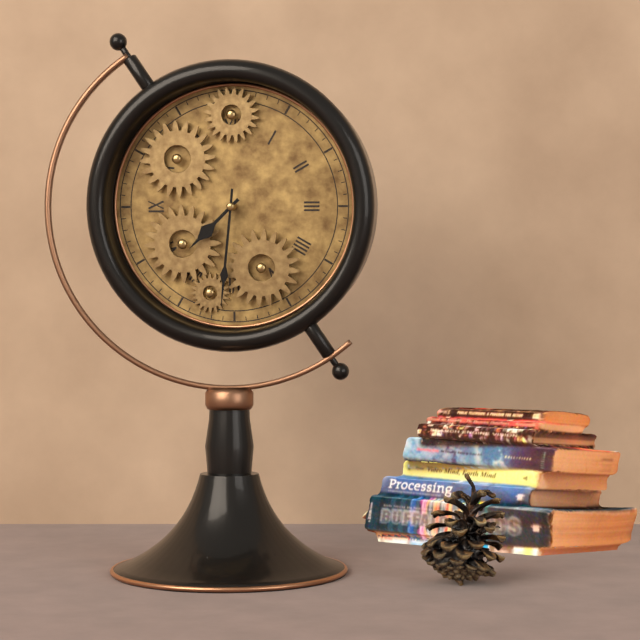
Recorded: 7.31
